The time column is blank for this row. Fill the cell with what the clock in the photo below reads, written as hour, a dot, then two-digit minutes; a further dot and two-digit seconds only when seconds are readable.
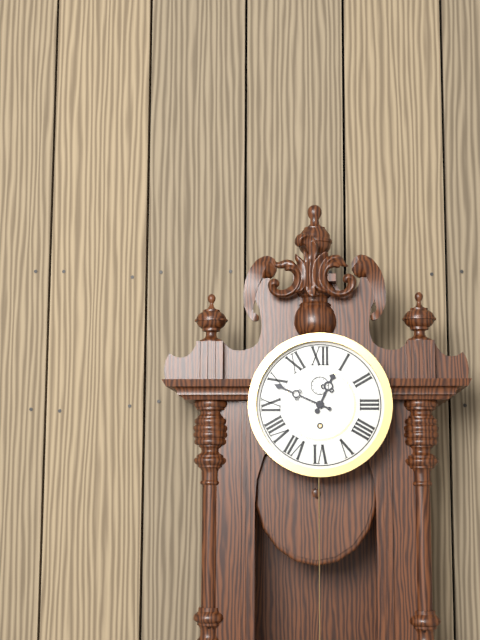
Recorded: 12.49
